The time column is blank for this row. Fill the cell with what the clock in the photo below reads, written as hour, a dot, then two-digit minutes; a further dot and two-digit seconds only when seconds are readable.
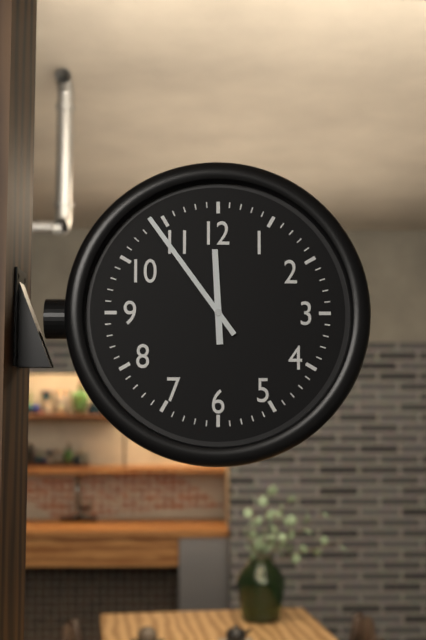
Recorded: 11.54
